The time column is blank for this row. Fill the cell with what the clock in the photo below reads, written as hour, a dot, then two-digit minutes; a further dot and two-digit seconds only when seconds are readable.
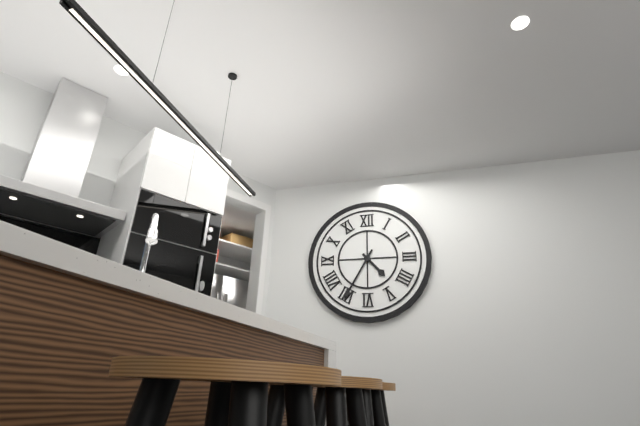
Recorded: 4.35
